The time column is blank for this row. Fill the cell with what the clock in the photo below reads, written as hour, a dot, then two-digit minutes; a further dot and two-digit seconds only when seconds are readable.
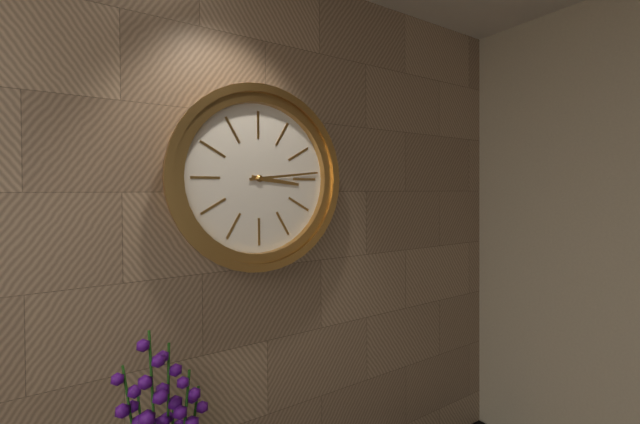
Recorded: 3.14
